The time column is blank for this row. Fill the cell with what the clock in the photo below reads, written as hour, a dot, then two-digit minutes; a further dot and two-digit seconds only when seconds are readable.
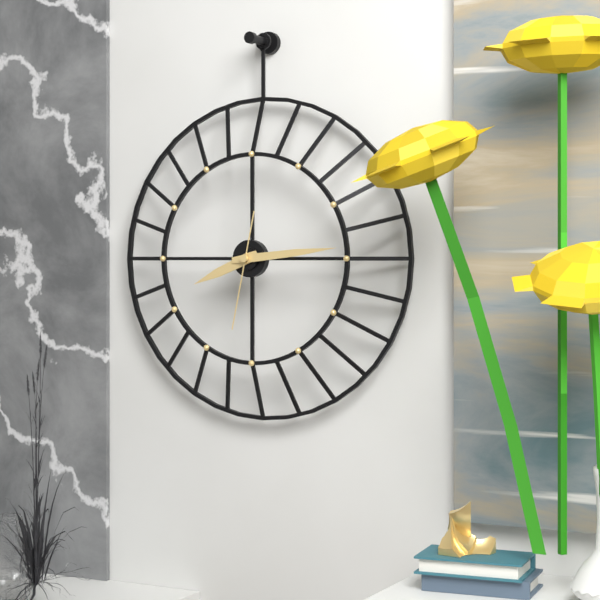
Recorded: 8.14.32
